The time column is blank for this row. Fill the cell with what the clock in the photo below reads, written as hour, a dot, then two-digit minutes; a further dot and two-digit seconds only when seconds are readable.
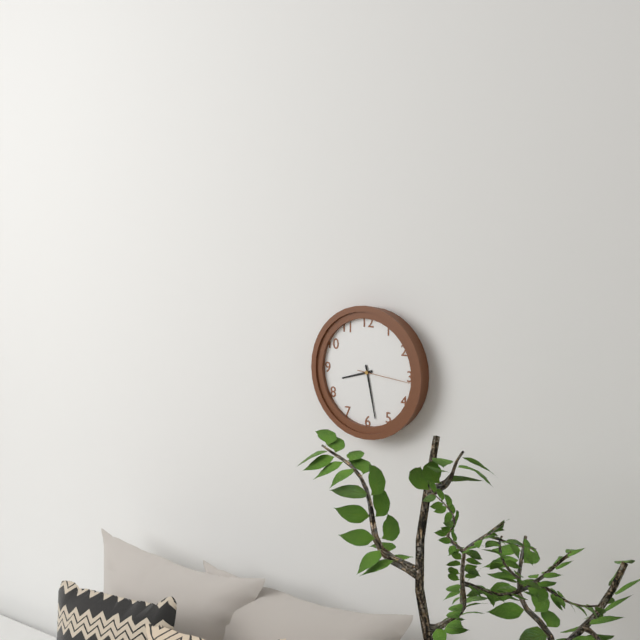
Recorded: 8.28.16
